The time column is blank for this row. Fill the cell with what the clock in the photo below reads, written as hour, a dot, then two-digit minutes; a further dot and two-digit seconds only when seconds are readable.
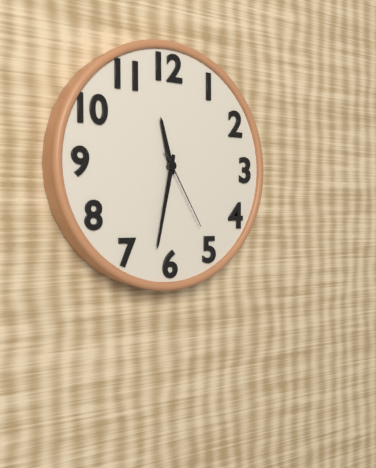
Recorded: 11.32.25
